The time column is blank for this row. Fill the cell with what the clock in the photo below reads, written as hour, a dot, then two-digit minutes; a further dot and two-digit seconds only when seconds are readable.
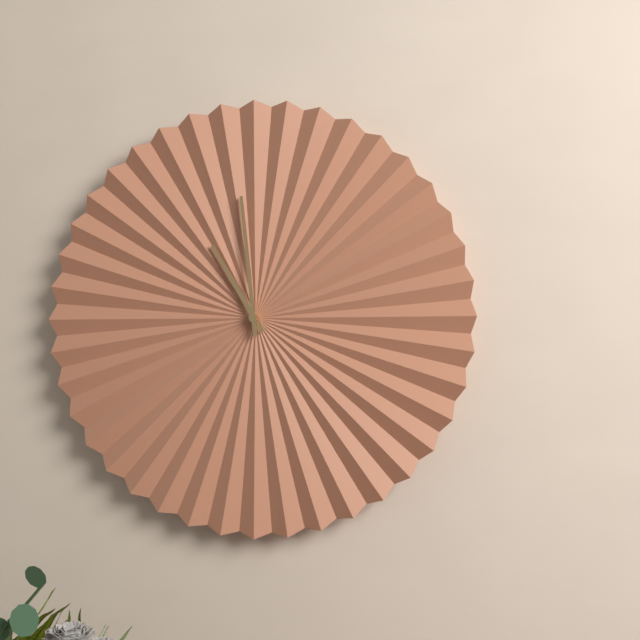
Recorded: 10.59
